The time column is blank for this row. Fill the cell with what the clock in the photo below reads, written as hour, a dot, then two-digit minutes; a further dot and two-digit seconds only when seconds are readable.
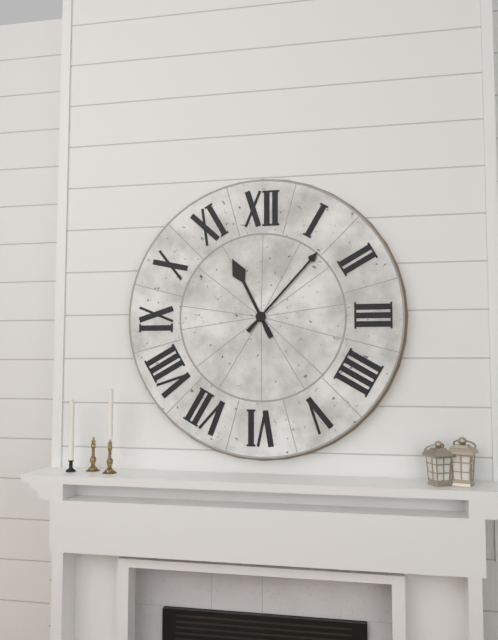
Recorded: 11.07
